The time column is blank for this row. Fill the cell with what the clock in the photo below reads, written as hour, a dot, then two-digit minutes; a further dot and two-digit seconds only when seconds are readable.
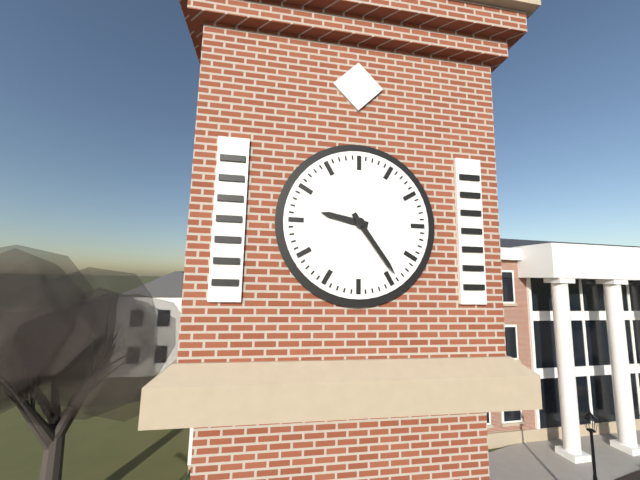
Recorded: 9.24
